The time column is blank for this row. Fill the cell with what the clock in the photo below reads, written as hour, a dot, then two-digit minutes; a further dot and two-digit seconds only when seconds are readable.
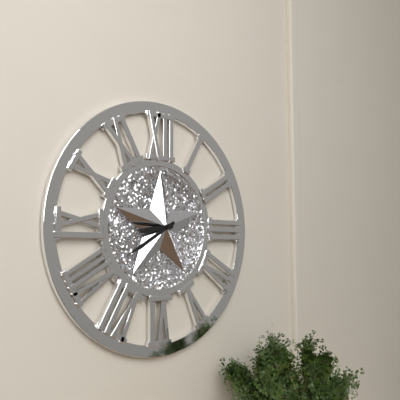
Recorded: 8.40
